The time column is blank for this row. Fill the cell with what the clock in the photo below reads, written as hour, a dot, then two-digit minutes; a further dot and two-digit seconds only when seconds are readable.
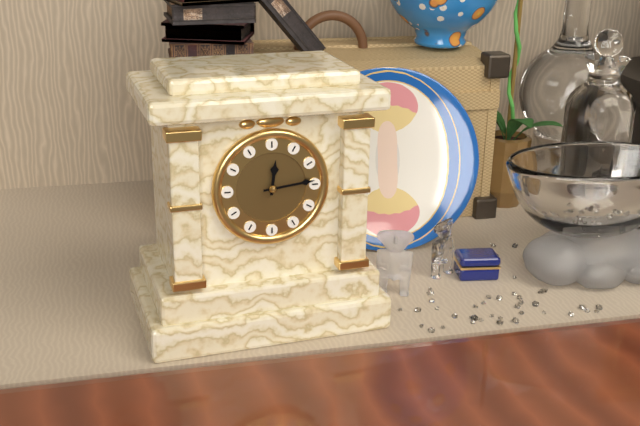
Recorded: 12.14
